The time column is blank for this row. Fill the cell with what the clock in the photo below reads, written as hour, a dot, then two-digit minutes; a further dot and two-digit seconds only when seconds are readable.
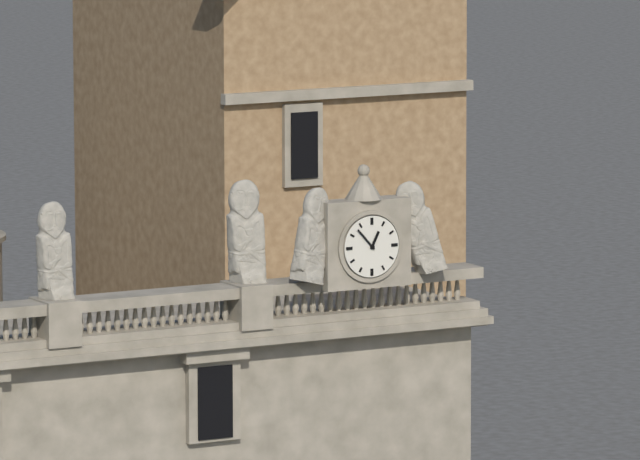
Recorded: 12.53
